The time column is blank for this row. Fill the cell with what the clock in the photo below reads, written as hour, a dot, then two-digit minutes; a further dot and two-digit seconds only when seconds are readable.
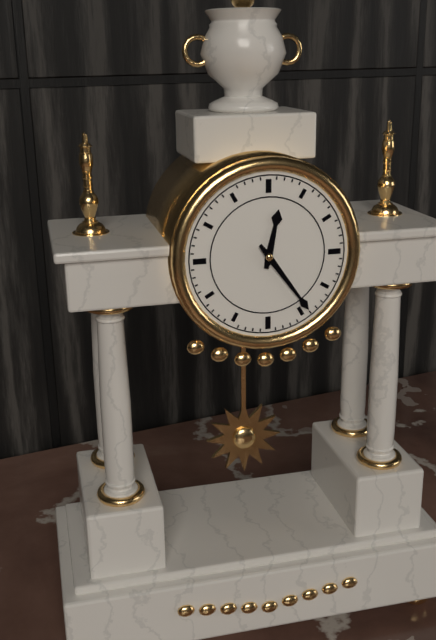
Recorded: 12.24
